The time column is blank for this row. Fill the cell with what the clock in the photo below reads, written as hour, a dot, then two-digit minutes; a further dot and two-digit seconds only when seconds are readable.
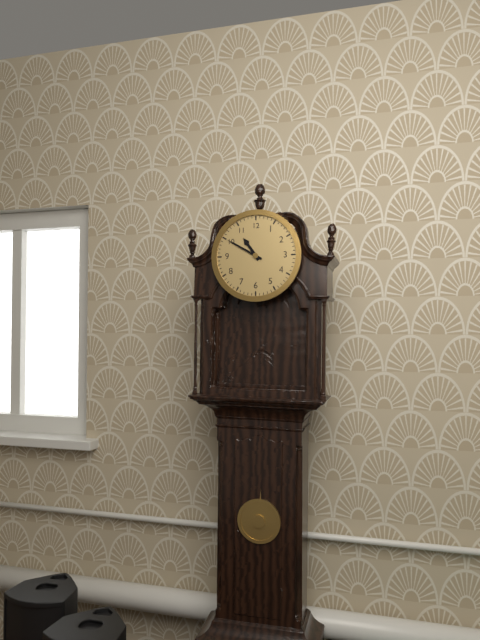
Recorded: 10.50
